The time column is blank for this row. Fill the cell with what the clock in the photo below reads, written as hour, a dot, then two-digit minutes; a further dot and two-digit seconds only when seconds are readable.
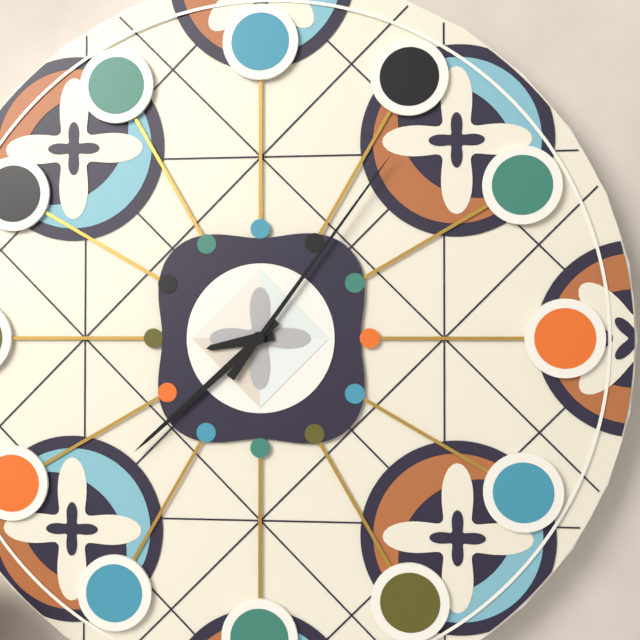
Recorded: 8.38.06
